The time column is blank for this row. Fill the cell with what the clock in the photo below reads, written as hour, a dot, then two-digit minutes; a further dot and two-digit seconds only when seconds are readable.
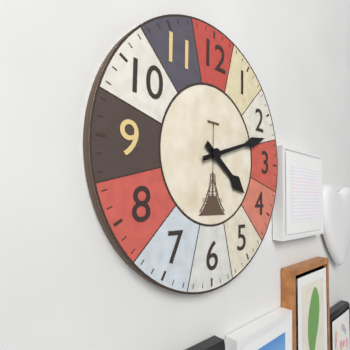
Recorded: 4.12
